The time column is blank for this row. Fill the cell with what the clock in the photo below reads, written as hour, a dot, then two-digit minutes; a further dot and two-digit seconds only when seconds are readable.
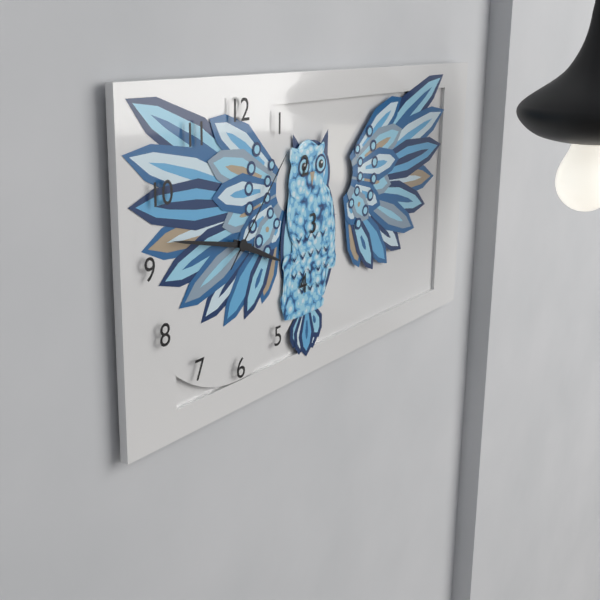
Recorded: 3.47.07
